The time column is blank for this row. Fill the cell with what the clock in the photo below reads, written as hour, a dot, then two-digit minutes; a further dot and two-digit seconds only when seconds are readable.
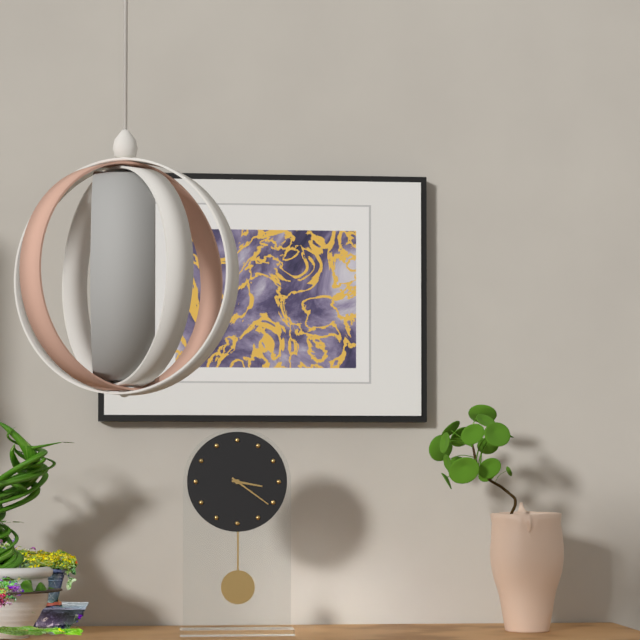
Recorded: 3.21
